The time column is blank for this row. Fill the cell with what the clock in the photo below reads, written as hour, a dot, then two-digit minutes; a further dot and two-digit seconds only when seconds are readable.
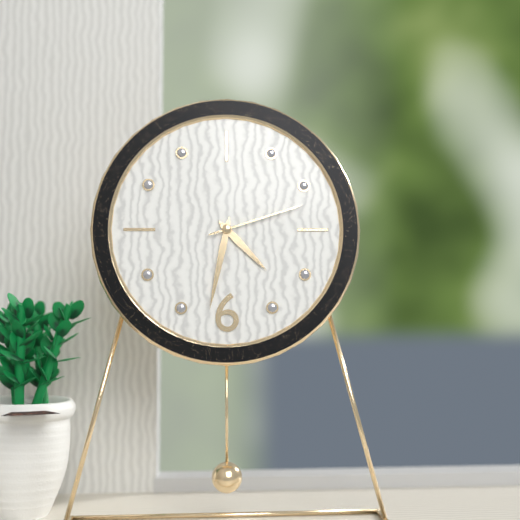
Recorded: 4.32.12
